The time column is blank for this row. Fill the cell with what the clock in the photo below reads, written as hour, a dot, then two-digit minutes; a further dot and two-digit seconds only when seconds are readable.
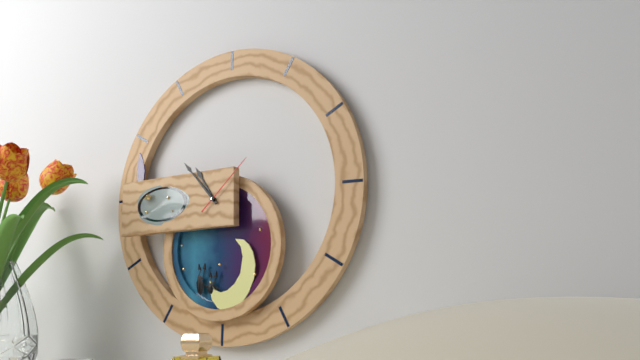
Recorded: 10.53.08
